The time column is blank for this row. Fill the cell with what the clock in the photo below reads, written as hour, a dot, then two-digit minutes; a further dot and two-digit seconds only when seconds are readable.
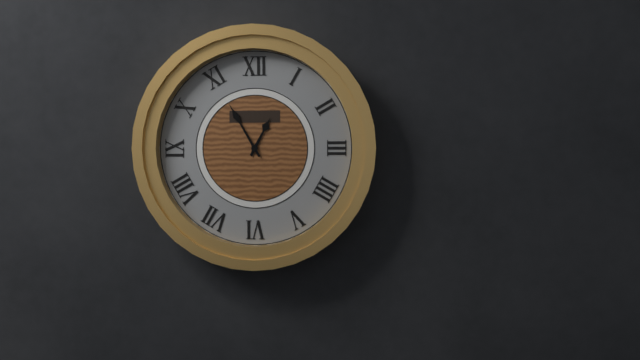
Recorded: 12.55
